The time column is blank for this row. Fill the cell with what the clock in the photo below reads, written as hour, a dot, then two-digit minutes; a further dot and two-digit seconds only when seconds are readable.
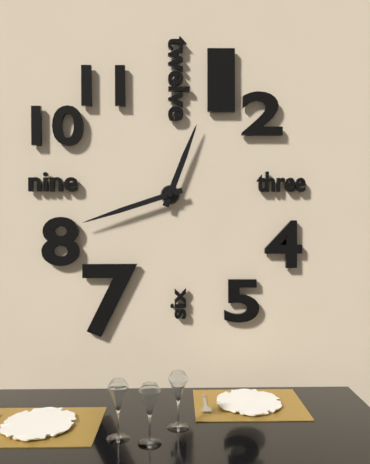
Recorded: 12.42
